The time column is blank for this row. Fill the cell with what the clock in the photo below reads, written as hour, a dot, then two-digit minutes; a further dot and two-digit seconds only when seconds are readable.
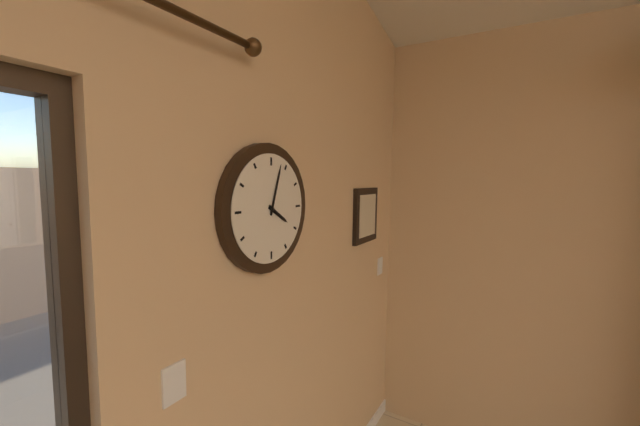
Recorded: 4.03
